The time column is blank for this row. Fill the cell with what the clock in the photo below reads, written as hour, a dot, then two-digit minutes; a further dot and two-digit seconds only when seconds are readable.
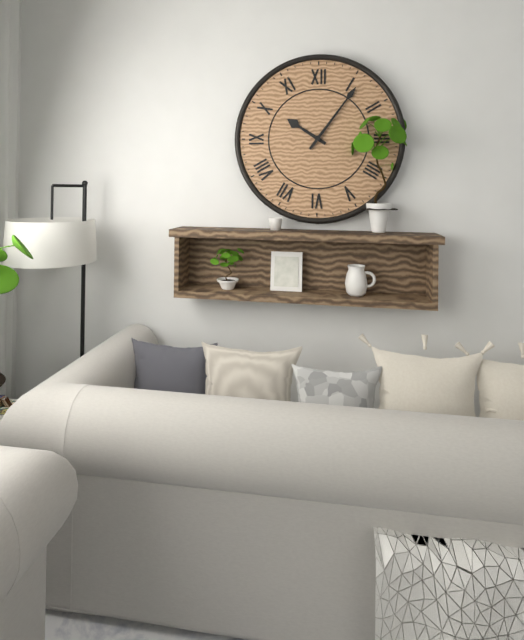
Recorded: 10.06
